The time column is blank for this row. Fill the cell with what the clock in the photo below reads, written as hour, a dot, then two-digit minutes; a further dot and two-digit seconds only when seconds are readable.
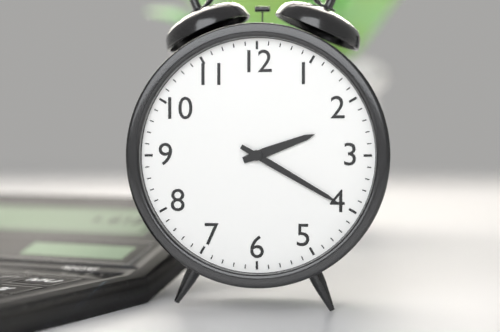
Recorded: 2.20
